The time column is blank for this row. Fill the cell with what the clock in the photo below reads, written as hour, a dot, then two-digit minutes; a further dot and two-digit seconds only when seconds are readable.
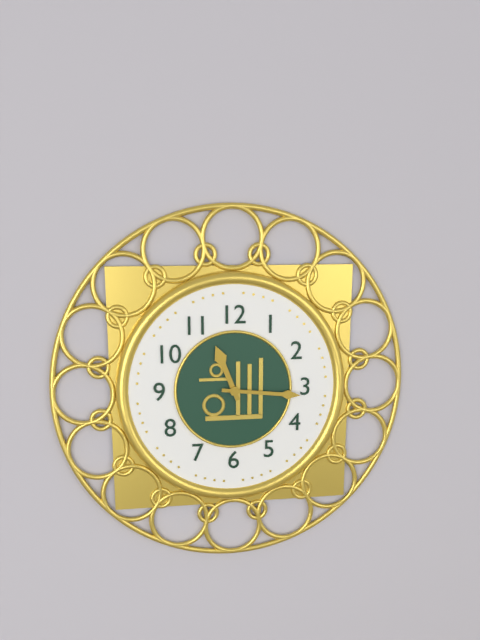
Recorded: 11.16
